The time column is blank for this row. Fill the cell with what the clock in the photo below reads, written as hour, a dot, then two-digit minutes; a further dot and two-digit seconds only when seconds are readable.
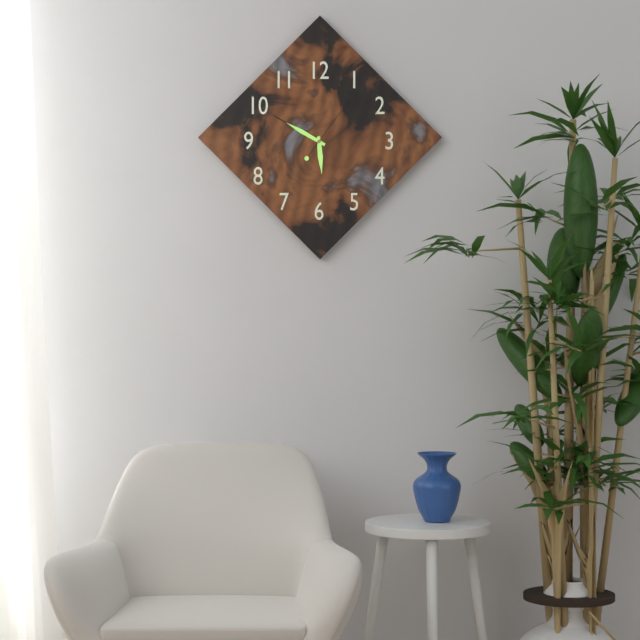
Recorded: 5.50.06
